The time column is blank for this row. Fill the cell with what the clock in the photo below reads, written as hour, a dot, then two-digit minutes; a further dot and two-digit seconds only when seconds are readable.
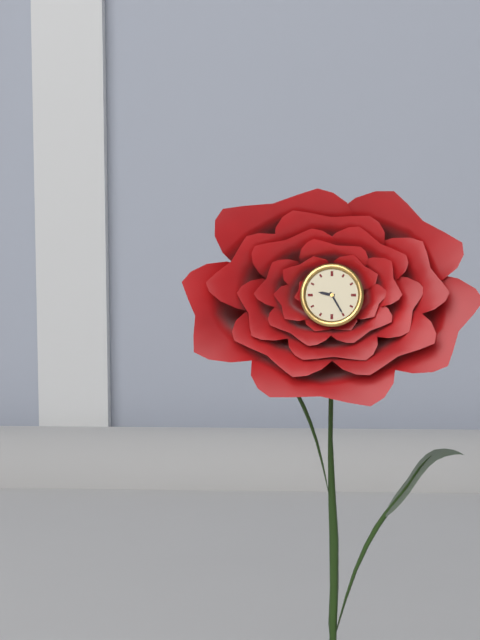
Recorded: 9.25
